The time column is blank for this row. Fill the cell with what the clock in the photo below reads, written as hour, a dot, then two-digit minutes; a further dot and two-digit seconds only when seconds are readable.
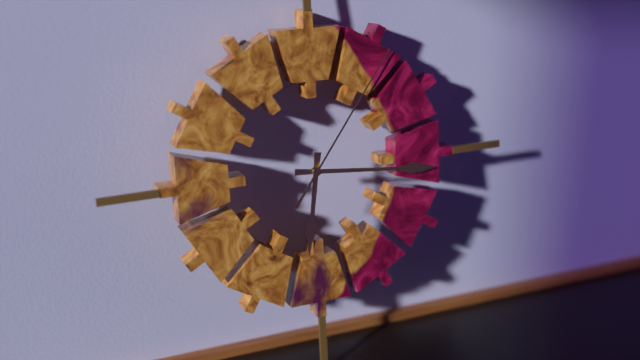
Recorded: 6.16.06
